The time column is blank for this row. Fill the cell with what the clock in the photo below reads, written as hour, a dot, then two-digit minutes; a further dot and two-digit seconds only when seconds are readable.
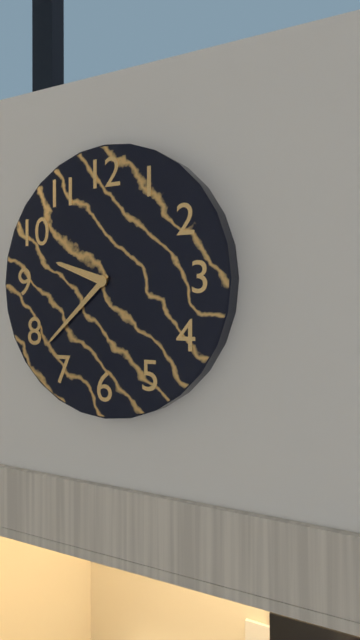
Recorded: 9.38
